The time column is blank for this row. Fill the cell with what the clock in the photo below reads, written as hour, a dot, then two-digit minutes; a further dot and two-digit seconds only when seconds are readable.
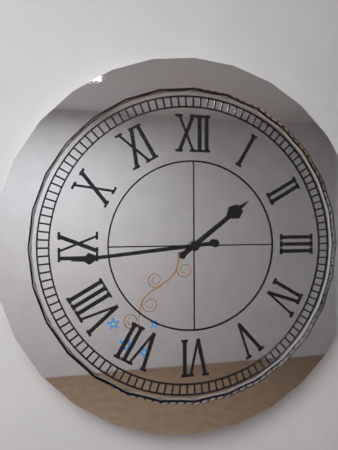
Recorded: 1.44
